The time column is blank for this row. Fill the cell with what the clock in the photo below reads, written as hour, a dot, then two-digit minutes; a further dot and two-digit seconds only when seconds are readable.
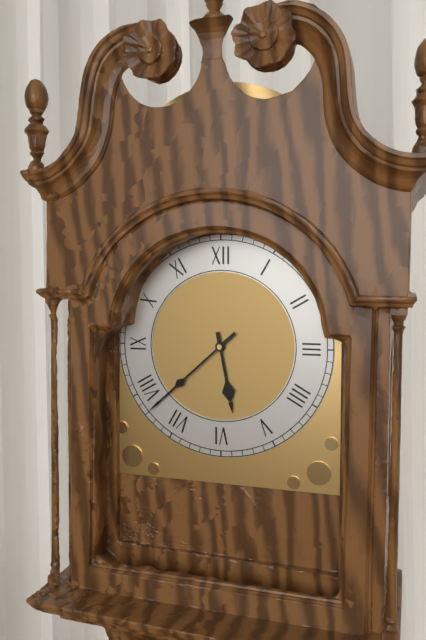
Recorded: 5.38
